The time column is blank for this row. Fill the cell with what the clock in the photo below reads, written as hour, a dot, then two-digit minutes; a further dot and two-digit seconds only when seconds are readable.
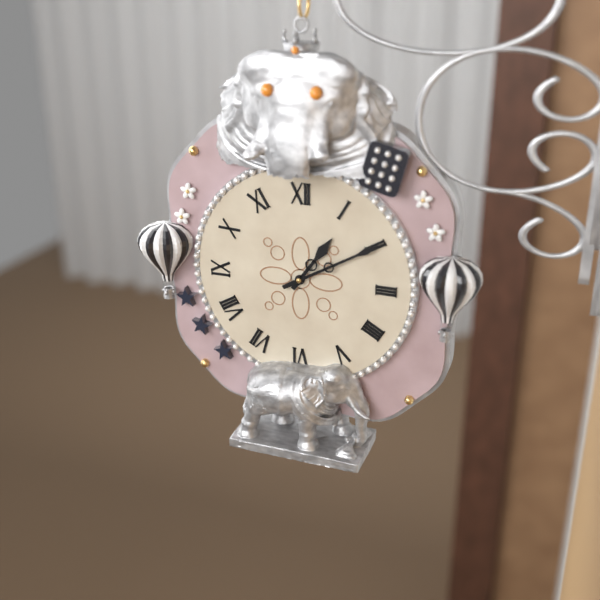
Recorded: 1.10
